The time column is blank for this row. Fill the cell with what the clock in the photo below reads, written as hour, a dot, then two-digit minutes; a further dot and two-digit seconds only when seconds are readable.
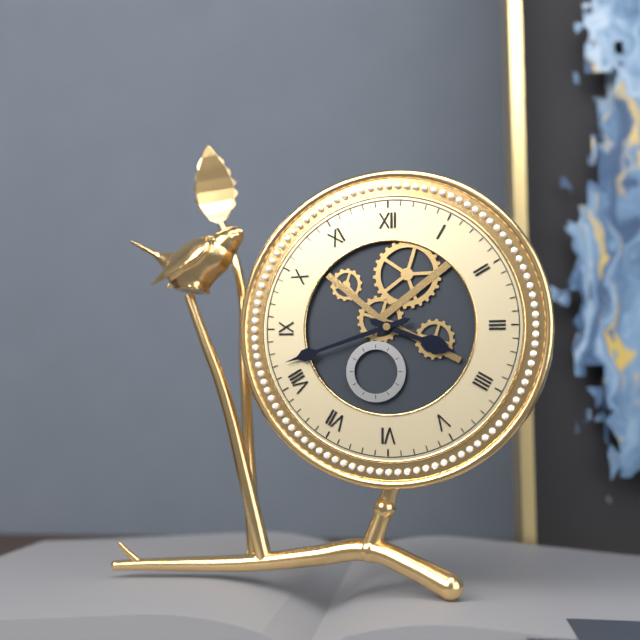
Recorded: 3.42
